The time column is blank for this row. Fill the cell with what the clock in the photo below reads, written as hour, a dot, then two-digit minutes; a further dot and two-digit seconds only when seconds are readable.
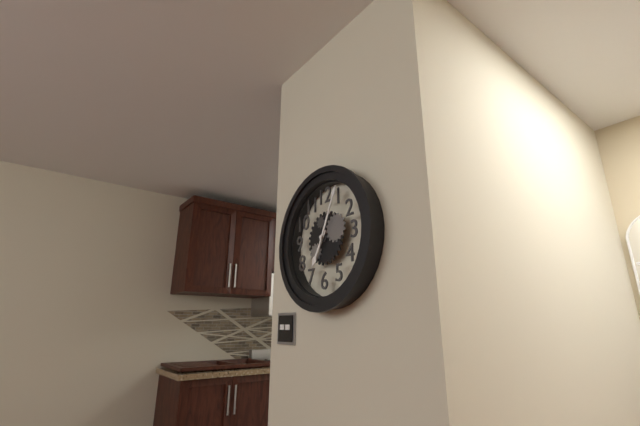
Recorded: 7.04
